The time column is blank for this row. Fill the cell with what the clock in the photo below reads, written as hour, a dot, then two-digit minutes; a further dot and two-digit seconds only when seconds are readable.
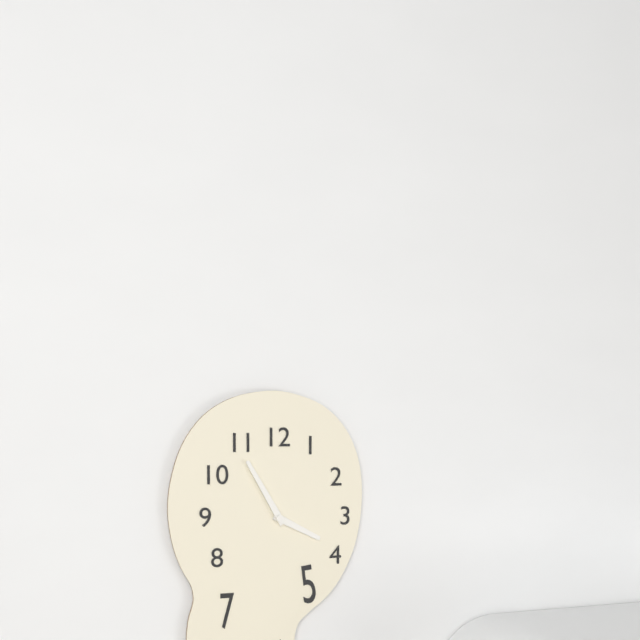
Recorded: 3.55
